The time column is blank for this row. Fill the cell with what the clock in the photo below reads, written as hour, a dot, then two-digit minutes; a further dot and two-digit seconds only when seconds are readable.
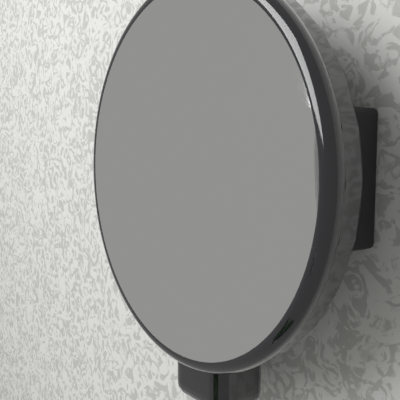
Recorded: 3.52
